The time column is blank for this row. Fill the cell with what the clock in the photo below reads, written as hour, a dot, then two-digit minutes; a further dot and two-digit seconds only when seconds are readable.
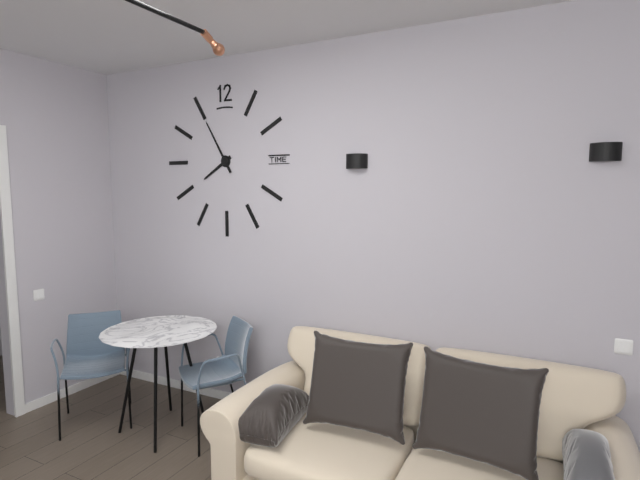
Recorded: 7.55
